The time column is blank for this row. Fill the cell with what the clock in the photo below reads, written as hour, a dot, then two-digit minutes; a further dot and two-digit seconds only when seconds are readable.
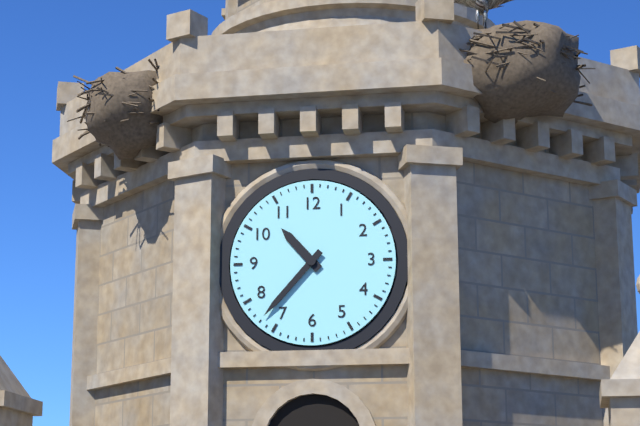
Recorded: 10.37
